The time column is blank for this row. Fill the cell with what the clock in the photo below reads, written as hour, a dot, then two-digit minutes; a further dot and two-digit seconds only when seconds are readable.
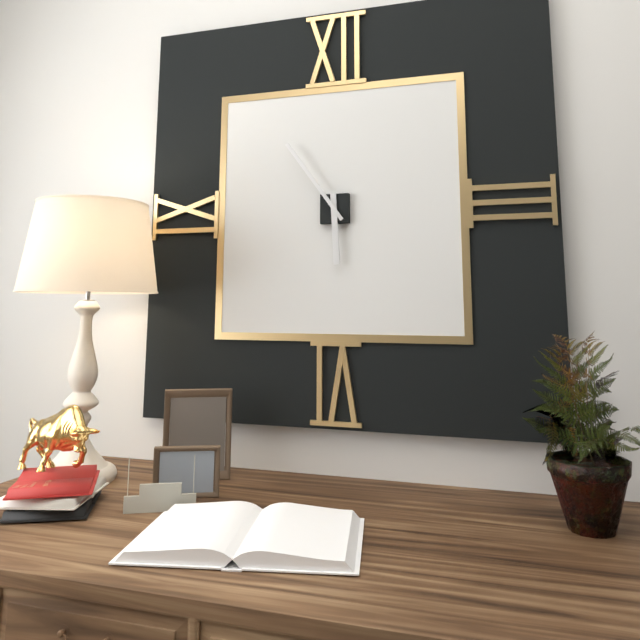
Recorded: 5.54
